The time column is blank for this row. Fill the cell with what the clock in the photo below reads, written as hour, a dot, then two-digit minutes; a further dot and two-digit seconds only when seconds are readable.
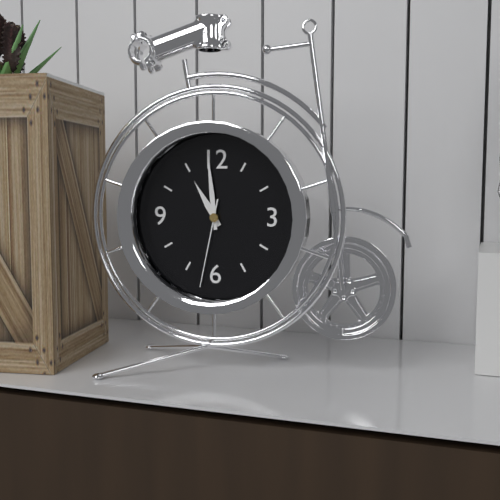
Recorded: 10.59.32
